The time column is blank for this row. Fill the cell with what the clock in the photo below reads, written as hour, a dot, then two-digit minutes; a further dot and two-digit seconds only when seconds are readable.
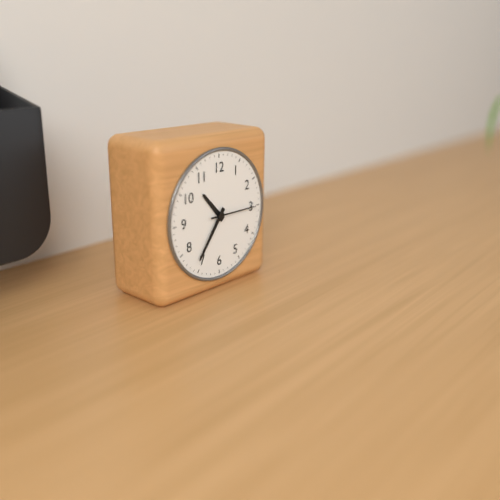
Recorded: 10.36
